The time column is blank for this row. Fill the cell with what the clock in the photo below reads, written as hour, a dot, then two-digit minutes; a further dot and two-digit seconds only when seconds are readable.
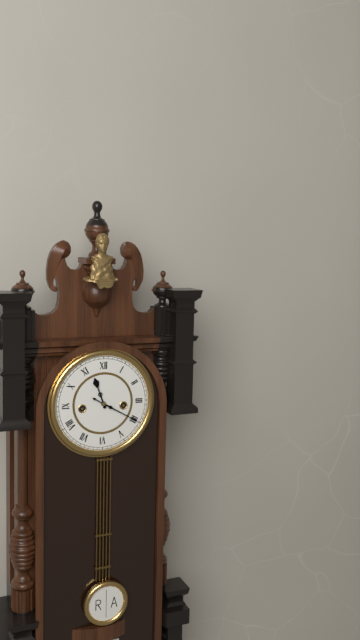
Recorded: 11.20
